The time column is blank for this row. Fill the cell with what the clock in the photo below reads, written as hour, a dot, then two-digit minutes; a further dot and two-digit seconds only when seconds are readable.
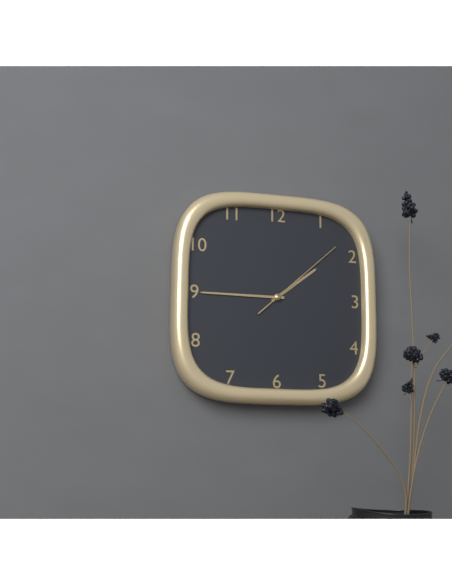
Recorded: 1.45.08
